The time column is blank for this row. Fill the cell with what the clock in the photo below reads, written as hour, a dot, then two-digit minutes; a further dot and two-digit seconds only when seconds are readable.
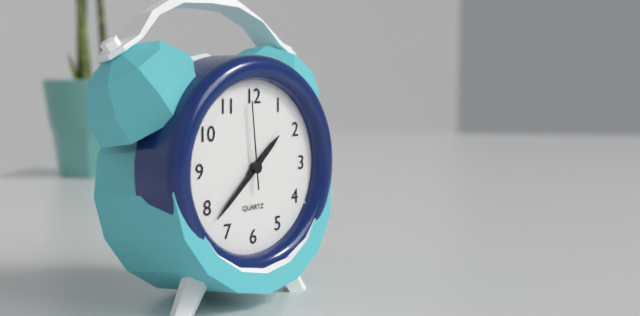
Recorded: 1.38.59
